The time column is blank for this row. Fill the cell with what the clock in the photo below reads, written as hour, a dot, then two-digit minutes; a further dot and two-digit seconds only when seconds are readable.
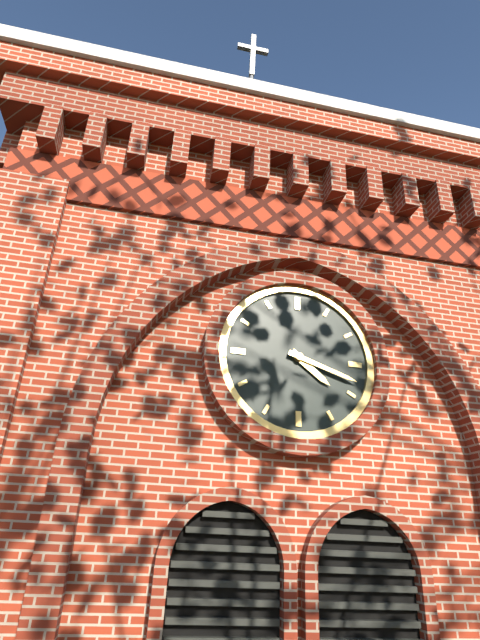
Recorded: 4.18
